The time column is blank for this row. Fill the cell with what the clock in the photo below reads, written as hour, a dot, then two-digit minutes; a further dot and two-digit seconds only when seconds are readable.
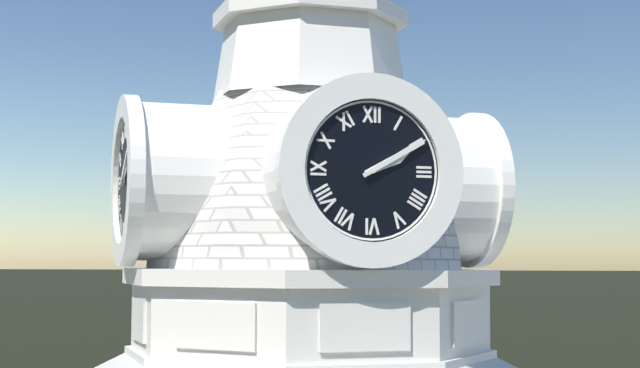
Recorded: 2.10
